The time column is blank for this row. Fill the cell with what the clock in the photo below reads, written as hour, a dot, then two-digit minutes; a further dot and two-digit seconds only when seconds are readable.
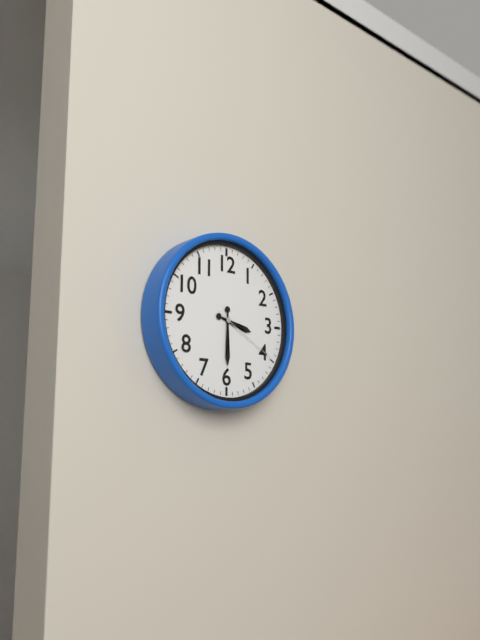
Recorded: 3.30.20
